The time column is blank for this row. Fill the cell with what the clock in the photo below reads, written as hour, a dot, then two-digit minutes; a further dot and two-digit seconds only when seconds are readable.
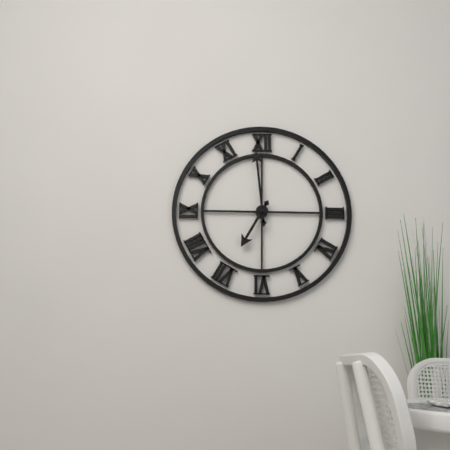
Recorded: 6.59
